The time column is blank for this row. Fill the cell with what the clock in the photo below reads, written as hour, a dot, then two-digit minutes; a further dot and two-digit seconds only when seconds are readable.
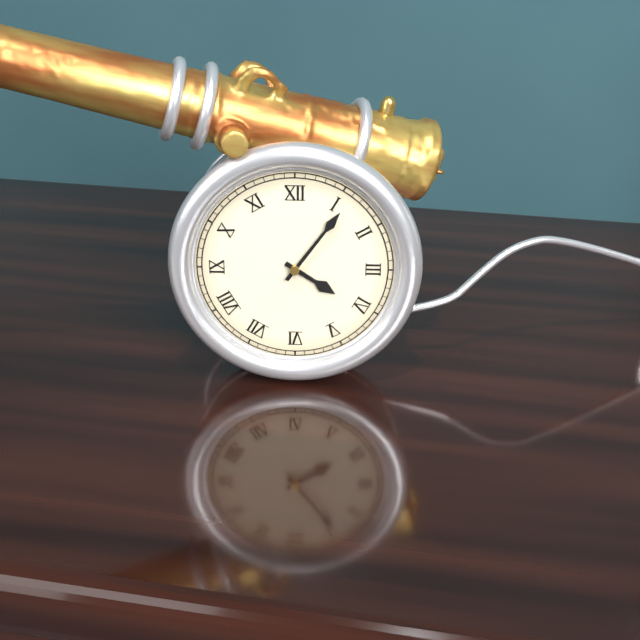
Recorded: 4.06
